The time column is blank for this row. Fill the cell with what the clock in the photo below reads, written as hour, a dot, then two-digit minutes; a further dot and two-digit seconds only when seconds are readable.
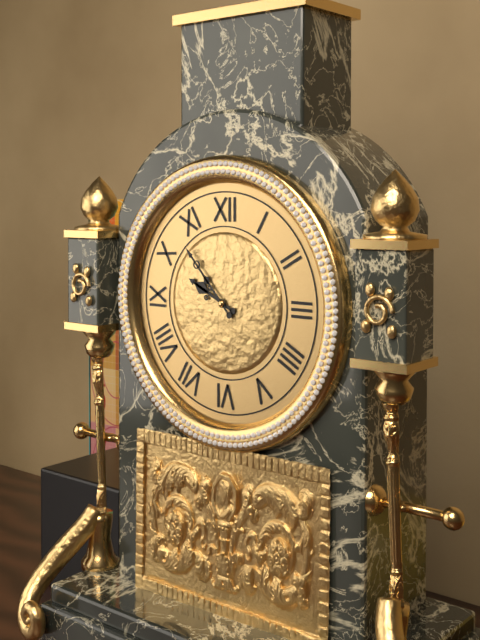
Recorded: 9.53
